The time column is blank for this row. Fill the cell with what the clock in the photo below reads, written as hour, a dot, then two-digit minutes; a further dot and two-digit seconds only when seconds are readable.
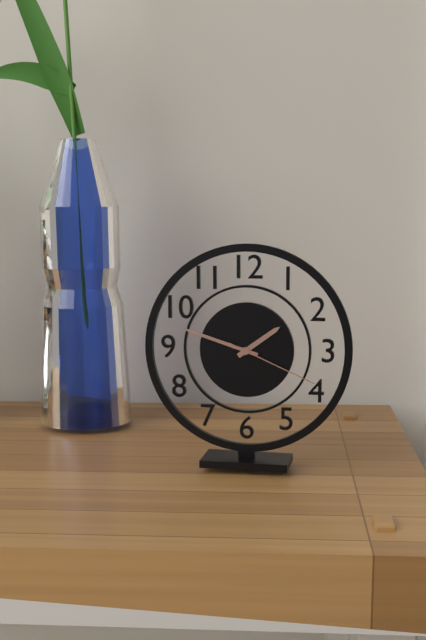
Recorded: 1.48.19
